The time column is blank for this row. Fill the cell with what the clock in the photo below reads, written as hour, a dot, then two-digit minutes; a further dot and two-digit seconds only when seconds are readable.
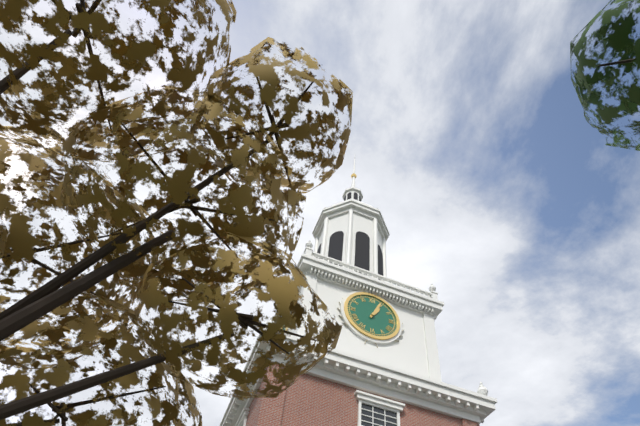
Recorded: 1.04
